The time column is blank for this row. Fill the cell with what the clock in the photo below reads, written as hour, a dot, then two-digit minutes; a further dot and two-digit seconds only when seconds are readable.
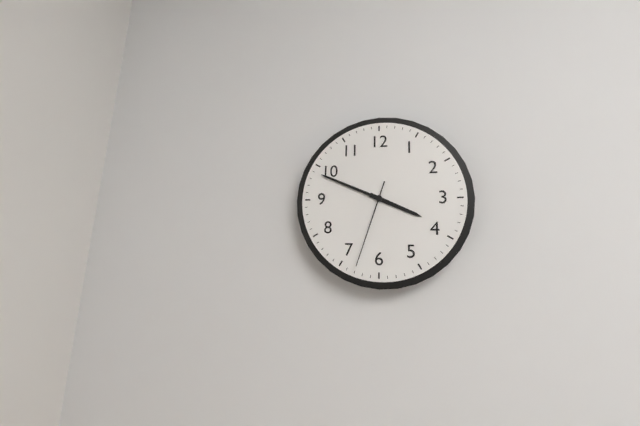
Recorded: 3.49.33
